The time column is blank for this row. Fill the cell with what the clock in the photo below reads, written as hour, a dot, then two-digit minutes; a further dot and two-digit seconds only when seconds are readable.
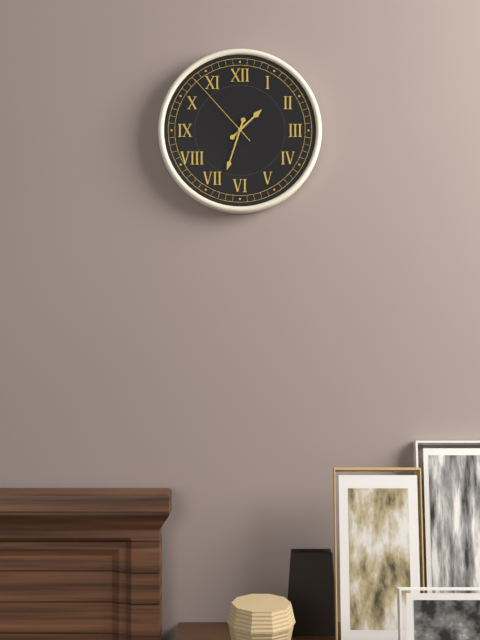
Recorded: 1.33.53
